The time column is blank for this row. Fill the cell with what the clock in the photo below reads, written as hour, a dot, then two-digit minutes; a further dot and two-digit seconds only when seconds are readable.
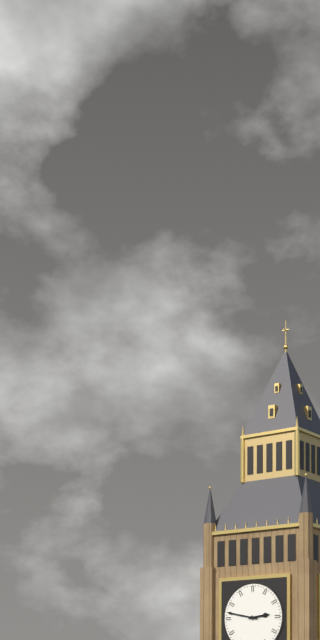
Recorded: 2.47
